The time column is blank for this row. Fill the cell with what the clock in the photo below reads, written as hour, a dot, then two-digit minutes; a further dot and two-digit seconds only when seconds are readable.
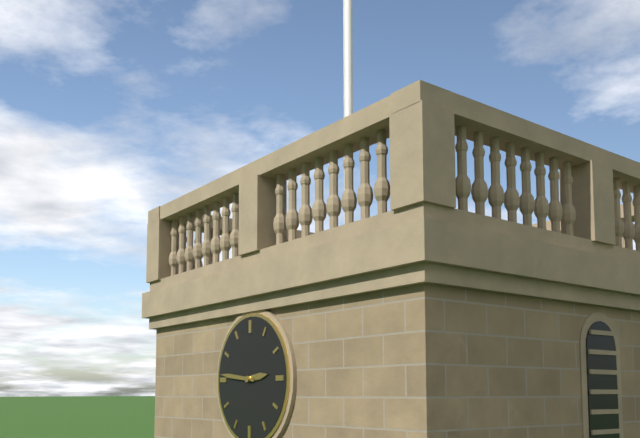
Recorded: 2.46
